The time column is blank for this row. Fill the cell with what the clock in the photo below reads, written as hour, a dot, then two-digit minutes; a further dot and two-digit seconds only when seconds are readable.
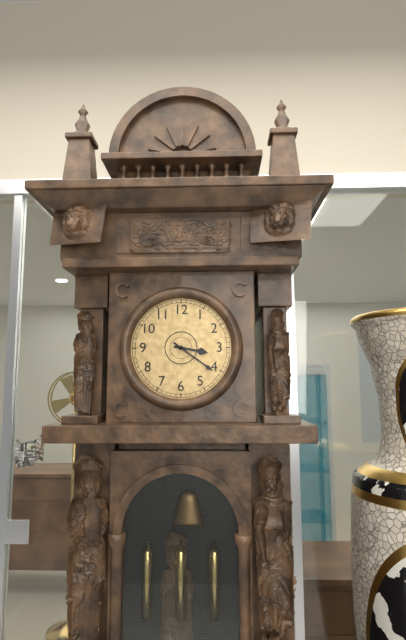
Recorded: 3.21
